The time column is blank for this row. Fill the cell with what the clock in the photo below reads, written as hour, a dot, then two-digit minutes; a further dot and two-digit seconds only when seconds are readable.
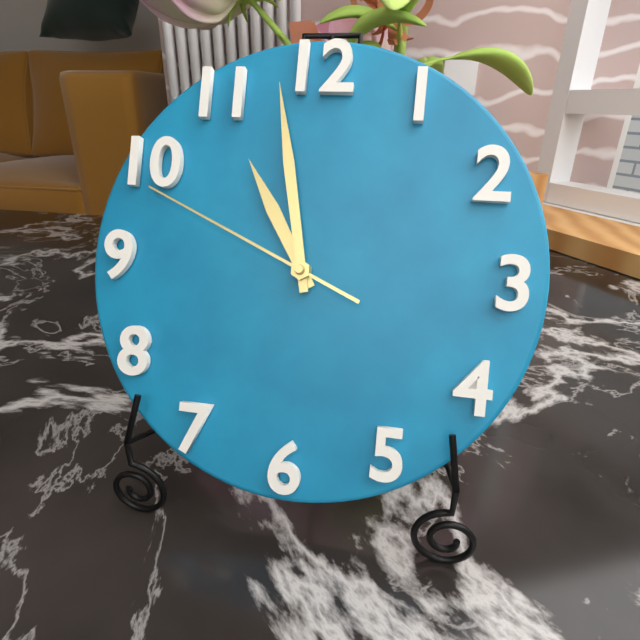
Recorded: 10.58.49
